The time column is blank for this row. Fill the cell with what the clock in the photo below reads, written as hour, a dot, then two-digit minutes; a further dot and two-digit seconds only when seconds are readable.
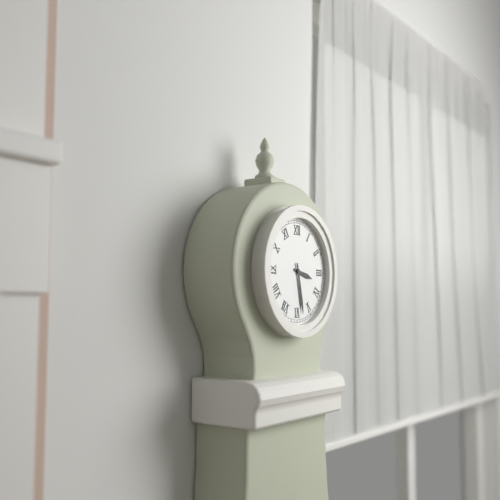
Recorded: 3.28
